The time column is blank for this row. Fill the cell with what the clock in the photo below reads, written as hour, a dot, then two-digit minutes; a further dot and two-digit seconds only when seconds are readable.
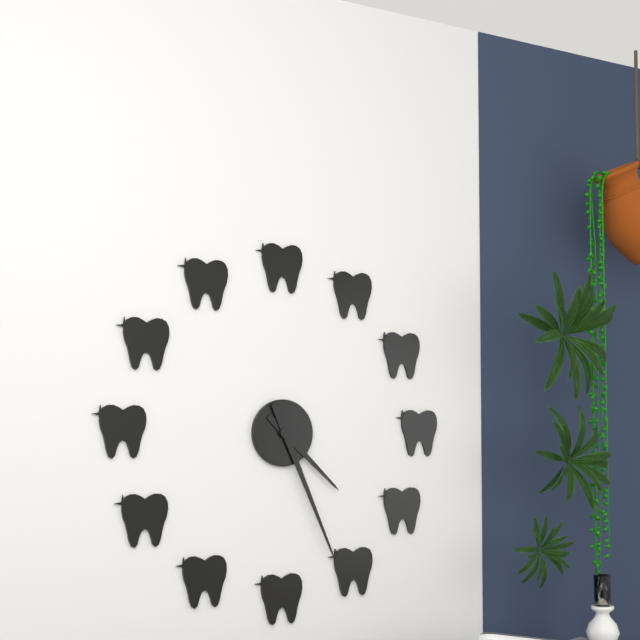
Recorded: 4.26
